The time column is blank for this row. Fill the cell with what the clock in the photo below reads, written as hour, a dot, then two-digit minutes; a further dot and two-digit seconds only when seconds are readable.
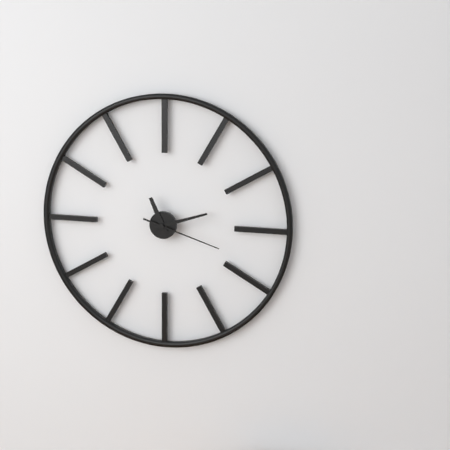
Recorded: 11.12.18
